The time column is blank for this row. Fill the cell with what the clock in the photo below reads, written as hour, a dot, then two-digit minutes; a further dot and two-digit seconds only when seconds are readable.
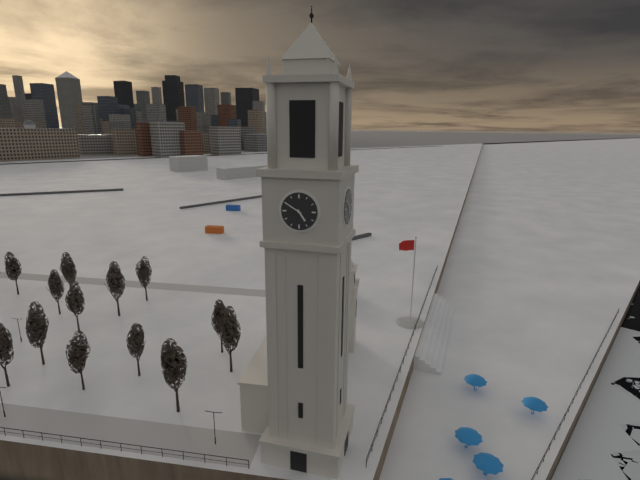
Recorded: 4.50
